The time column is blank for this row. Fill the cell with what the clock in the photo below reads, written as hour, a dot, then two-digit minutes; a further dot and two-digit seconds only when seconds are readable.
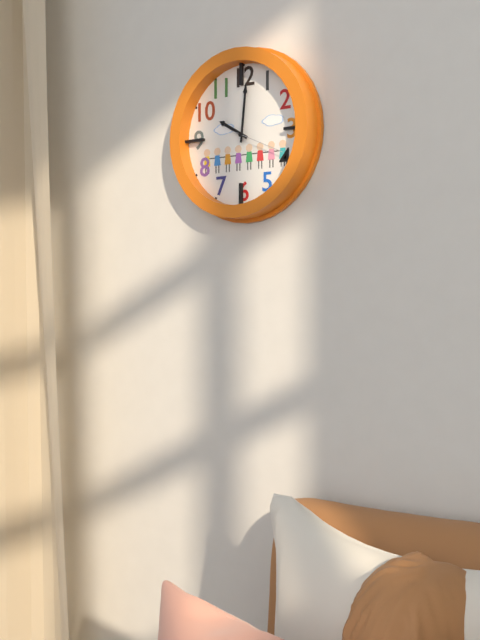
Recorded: 10.01.19
